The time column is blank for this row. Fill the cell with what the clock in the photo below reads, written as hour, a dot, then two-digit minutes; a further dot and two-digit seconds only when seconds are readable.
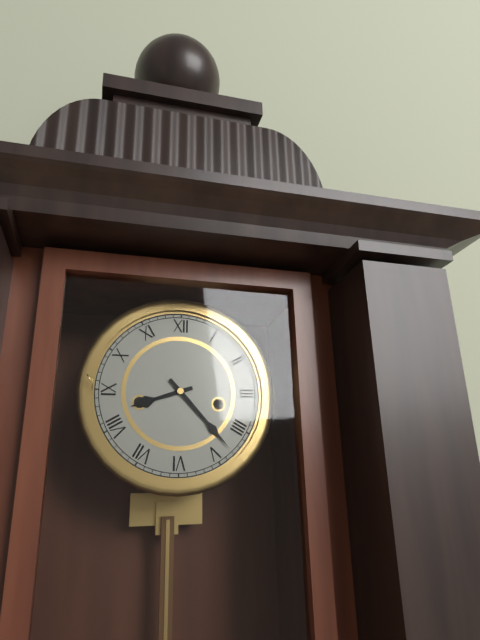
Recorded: 8.23
